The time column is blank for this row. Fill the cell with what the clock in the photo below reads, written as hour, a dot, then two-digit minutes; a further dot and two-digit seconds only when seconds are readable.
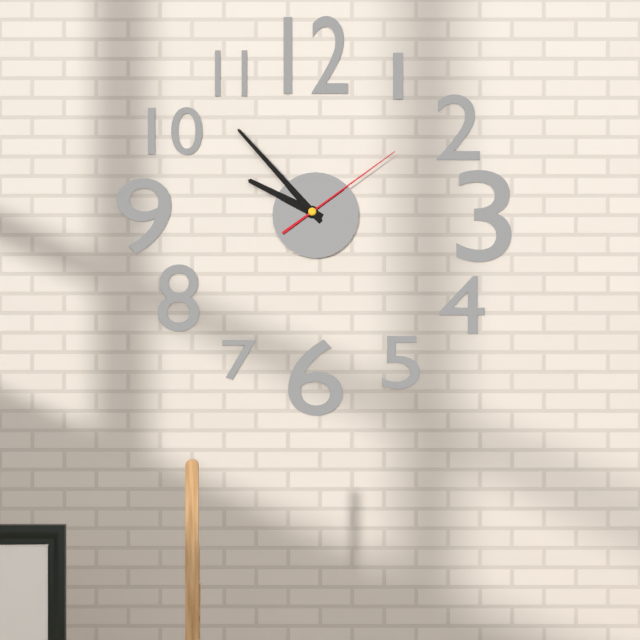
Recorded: 9.53.09
